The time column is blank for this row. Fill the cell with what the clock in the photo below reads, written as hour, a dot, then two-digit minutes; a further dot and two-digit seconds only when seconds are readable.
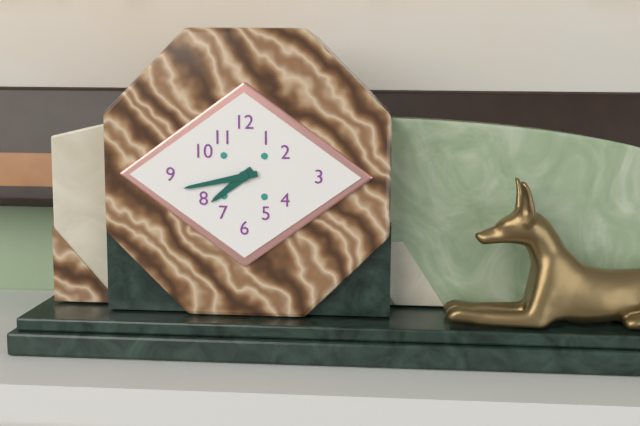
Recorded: 7.43
